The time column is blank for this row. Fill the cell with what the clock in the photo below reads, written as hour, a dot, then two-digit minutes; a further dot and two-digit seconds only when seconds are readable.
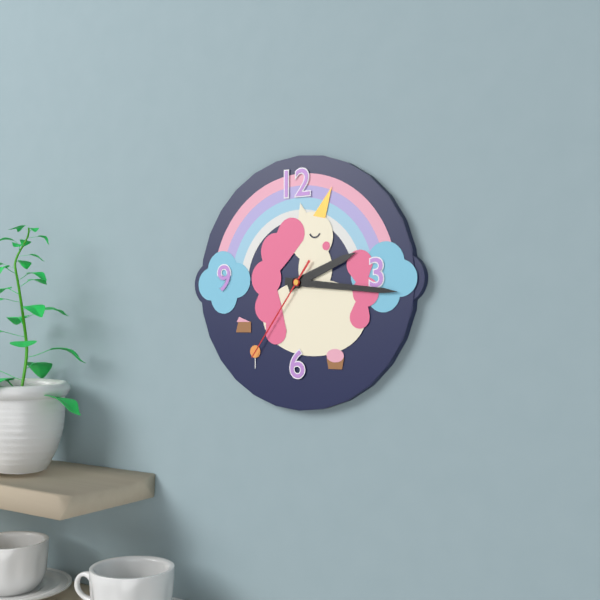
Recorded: 2.16.36
